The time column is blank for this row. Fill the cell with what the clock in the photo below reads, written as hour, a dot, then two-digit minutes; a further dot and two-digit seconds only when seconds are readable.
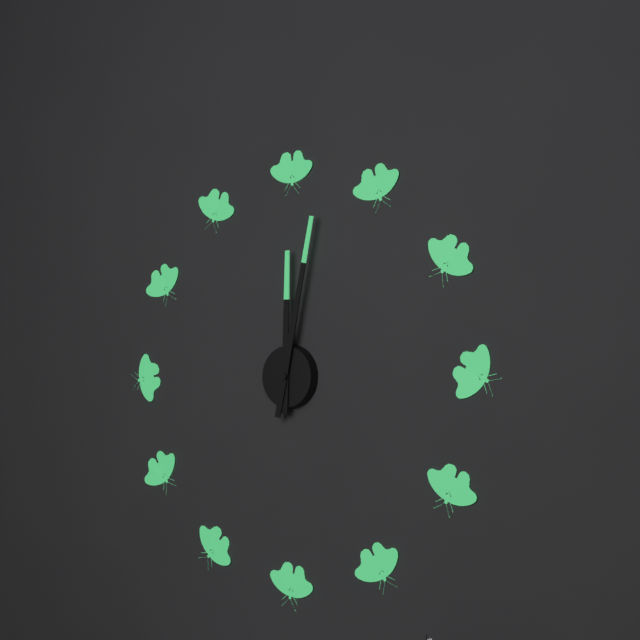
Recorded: 12.02
